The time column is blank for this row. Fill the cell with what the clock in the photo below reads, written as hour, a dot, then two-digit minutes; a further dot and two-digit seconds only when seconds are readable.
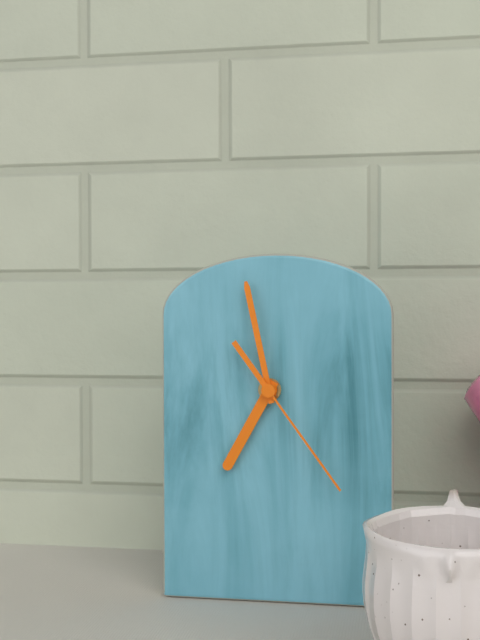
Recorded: 6.58.24
